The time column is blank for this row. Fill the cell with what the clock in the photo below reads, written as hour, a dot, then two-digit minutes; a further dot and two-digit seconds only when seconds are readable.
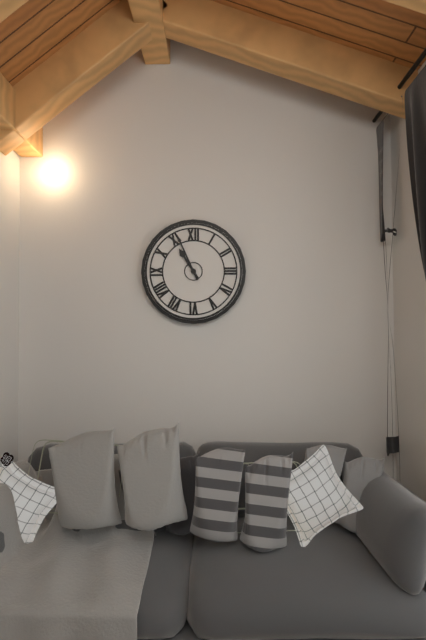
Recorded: 10.56
